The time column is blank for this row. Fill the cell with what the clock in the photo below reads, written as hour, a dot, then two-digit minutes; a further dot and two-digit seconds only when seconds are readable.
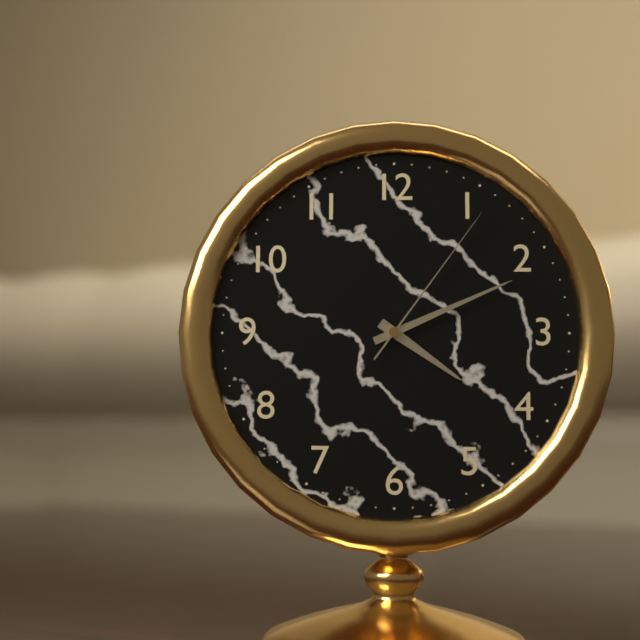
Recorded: 4.11.06
